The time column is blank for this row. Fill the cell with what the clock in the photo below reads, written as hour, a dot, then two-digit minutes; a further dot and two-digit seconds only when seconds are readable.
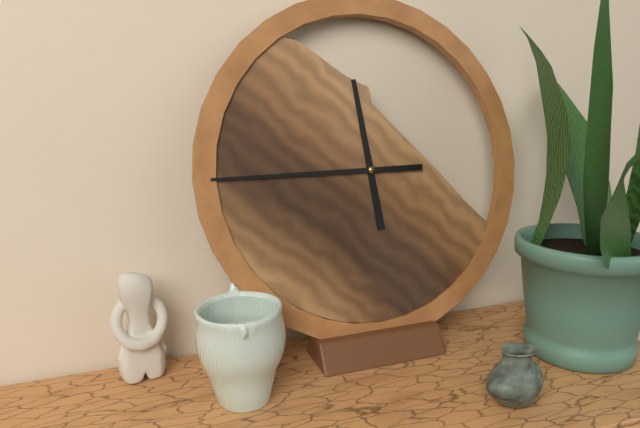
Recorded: 11.45
